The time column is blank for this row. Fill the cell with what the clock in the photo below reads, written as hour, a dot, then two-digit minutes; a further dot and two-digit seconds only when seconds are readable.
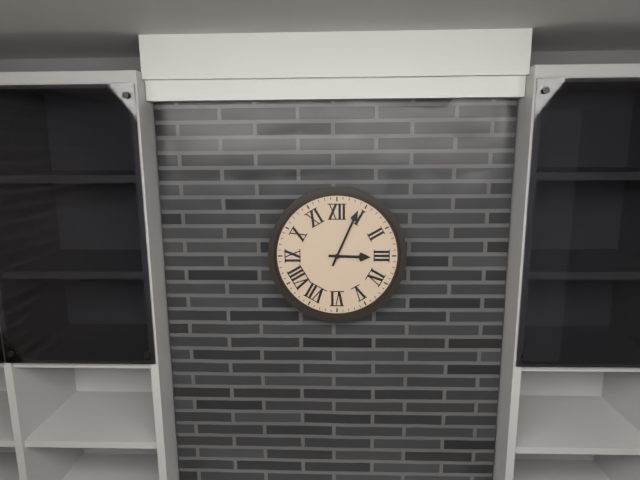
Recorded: 3.04
